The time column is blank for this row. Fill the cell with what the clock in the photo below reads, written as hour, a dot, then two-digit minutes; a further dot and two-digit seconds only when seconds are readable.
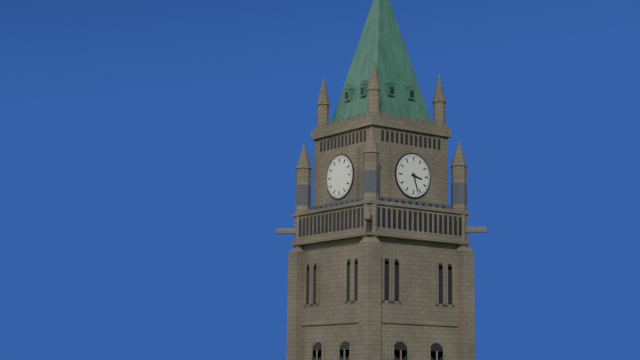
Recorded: 3.27
